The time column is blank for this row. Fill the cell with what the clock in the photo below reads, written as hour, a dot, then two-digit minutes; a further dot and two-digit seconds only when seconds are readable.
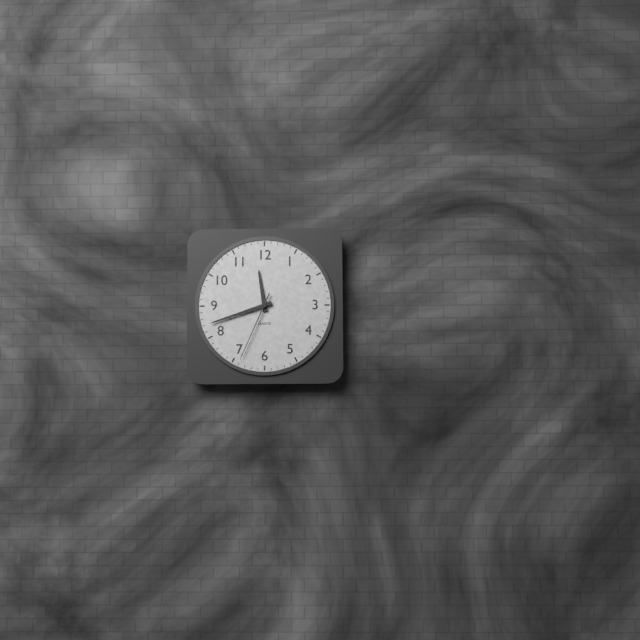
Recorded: 11.42.34
